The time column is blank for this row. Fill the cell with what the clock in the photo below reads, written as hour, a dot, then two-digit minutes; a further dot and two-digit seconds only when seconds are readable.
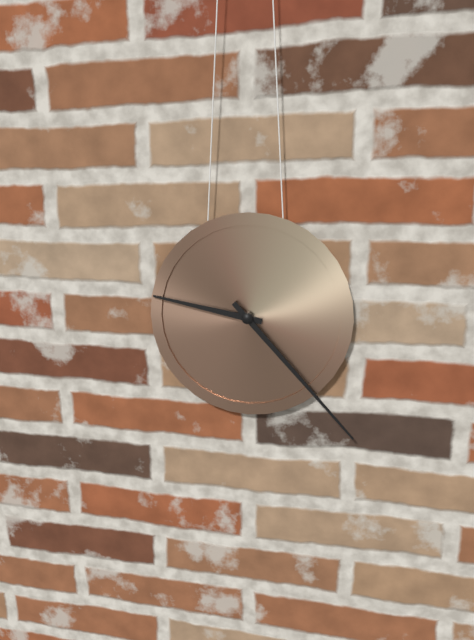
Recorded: 9.23
